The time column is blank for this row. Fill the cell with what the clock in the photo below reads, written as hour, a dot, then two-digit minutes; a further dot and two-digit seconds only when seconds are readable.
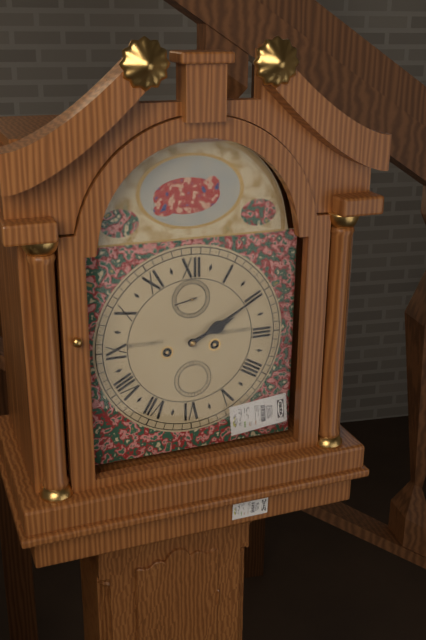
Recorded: 2.10
